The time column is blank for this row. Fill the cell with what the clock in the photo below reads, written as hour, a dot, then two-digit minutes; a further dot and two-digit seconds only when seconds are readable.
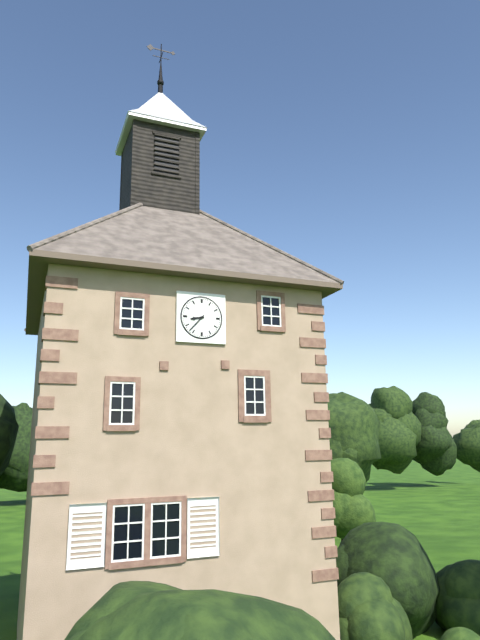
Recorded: 8.37
